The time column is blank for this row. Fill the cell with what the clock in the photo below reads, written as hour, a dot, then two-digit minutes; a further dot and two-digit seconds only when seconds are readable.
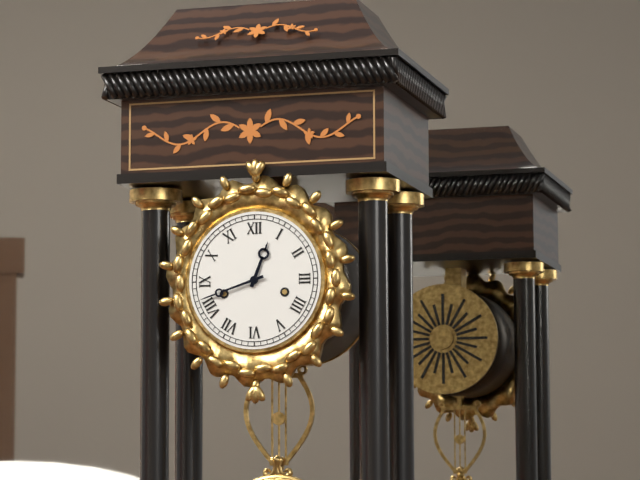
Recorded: 12.42
